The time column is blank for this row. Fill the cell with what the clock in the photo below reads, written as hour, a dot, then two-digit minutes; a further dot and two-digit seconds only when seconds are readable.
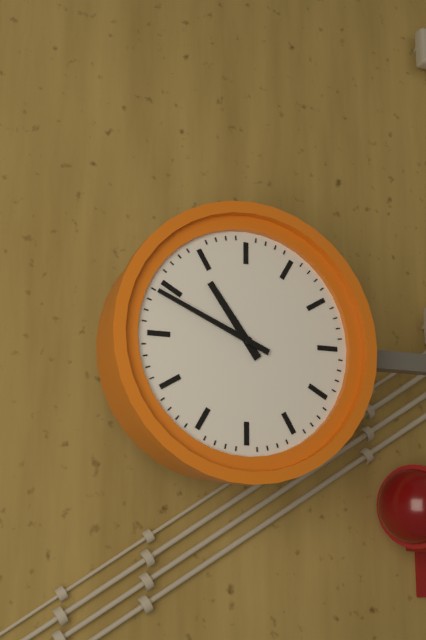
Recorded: 10.49
